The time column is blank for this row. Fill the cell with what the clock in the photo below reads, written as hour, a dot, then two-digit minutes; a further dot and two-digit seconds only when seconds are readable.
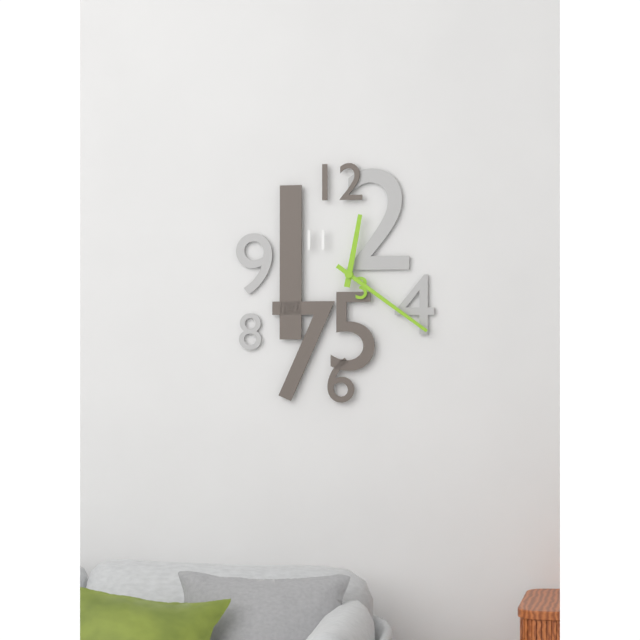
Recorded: 12.21
